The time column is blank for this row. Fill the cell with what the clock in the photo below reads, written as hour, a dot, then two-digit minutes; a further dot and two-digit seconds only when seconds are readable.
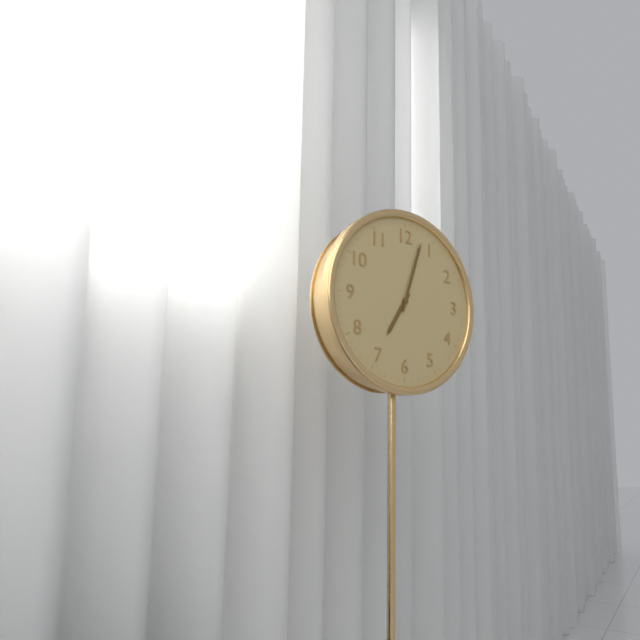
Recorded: 7.03
